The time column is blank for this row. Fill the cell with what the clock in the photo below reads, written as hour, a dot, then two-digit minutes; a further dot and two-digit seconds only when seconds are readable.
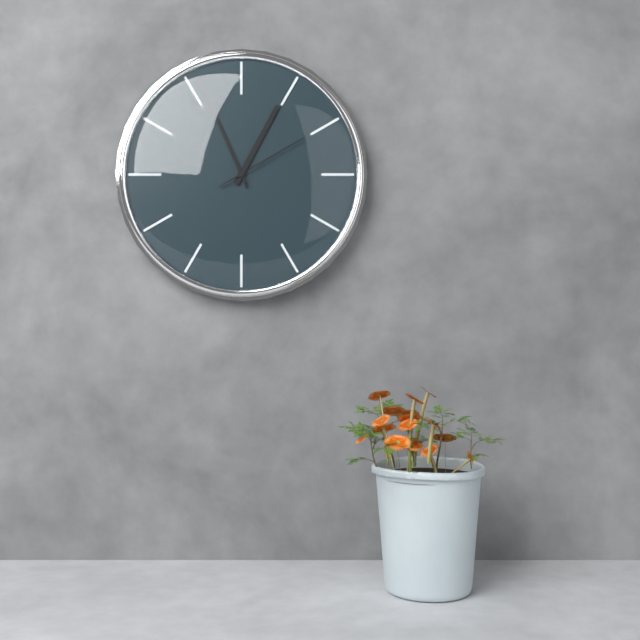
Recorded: 12.56.10
